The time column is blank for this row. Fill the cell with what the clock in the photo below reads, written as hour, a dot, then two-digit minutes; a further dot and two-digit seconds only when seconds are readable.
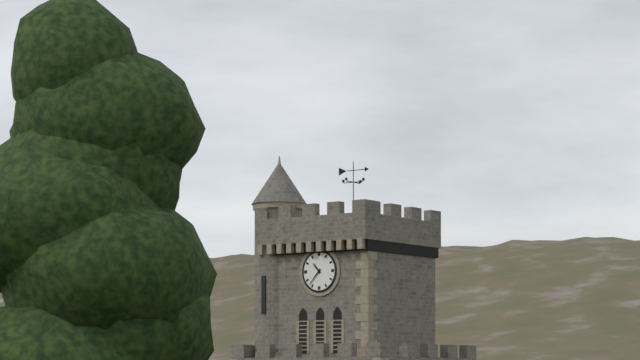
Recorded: 10.37
